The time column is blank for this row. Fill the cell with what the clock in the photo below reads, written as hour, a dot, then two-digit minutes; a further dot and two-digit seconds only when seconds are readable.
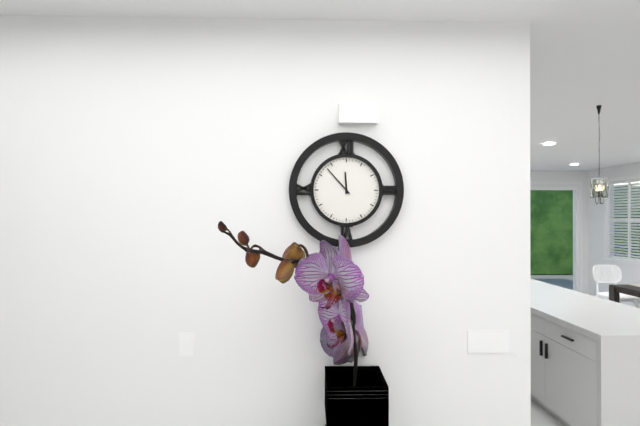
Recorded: 11.53
